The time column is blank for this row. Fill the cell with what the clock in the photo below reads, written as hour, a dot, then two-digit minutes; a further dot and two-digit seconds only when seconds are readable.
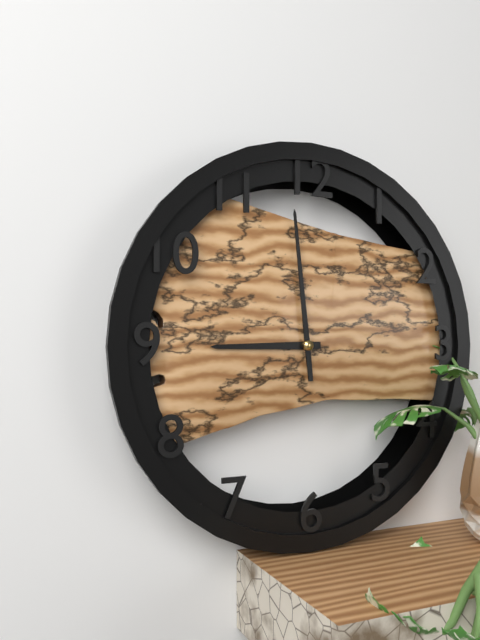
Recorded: 8.59
